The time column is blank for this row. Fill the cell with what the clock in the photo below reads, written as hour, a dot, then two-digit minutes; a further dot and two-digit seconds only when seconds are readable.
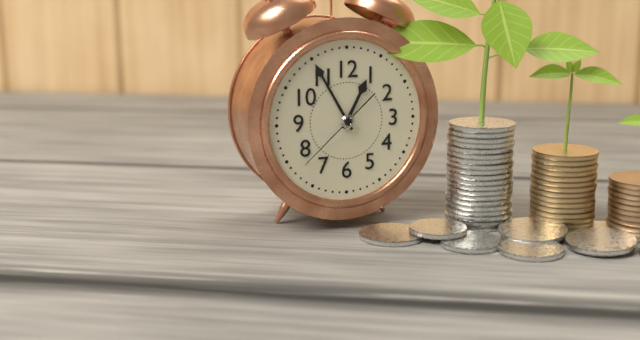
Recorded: 12.55.38
